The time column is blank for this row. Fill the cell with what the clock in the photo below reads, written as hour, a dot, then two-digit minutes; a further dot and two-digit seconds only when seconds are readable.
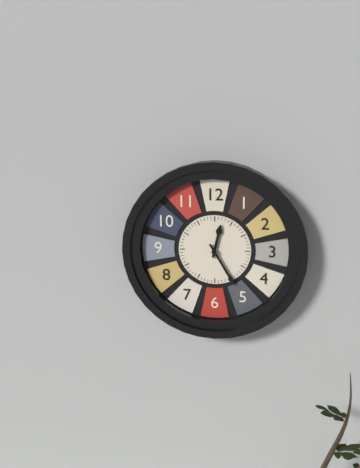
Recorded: 12.25
